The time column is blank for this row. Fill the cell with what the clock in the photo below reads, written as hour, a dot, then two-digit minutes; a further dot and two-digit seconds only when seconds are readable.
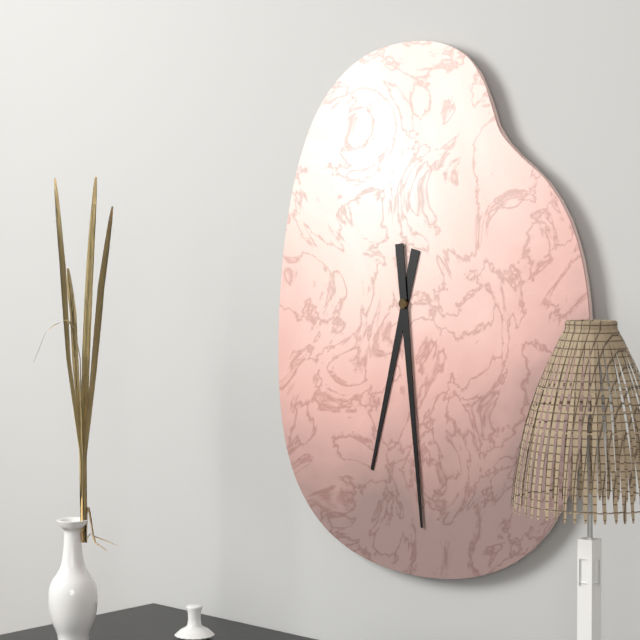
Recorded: 6.29
